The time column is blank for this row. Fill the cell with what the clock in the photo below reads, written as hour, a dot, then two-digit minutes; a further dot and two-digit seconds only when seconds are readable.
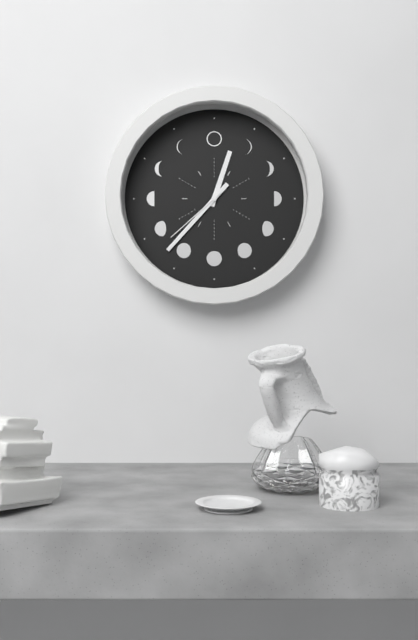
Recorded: 12.37.38
